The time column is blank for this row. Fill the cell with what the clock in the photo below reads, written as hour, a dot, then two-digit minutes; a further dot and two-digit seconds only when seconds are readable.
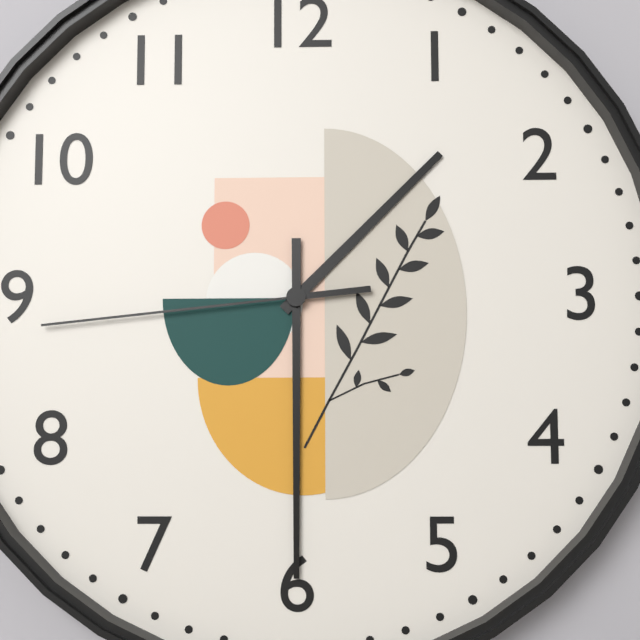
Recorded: 1.30.44
